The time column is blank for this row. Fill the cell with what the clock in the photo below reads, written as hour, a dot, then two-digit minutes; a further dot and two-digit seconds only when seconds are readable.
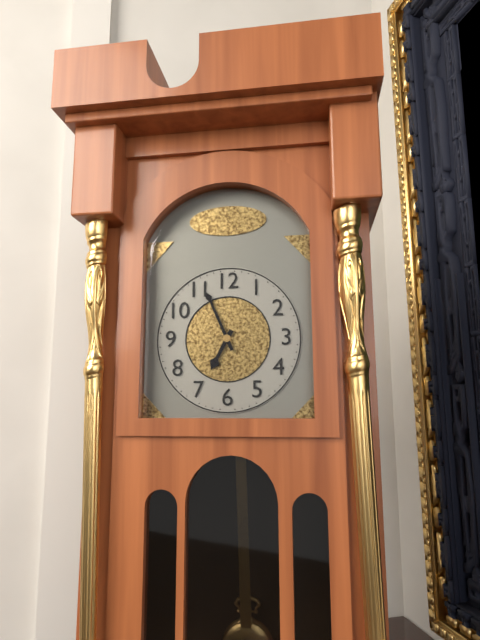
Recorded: 6.56
